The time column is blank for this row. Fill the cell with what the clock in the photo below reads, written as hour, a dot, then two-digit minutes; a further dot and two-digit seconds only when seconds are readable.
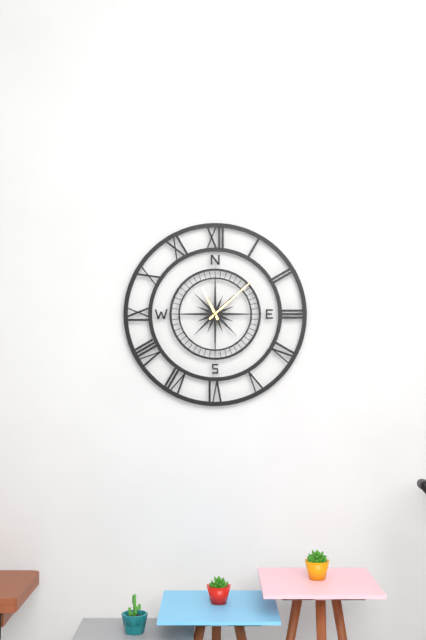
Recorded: 11.08
